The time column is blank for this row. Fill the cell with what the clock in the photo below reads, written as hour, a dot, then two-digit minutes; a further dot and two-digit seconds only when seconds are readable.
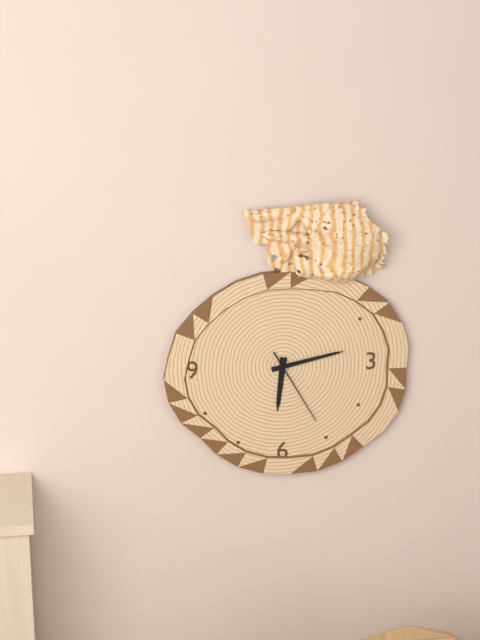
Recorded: 6.13.25
